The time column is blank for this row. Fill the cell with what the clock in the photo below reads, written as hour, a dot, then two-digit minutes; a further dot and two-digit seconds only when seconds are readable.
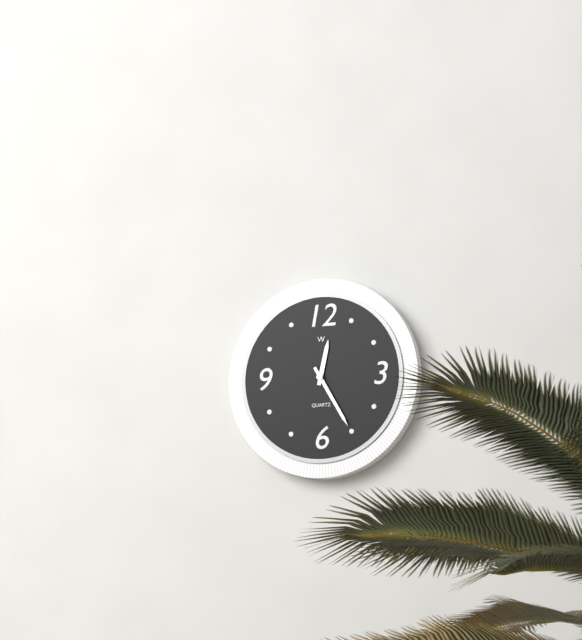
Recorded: 12.25
